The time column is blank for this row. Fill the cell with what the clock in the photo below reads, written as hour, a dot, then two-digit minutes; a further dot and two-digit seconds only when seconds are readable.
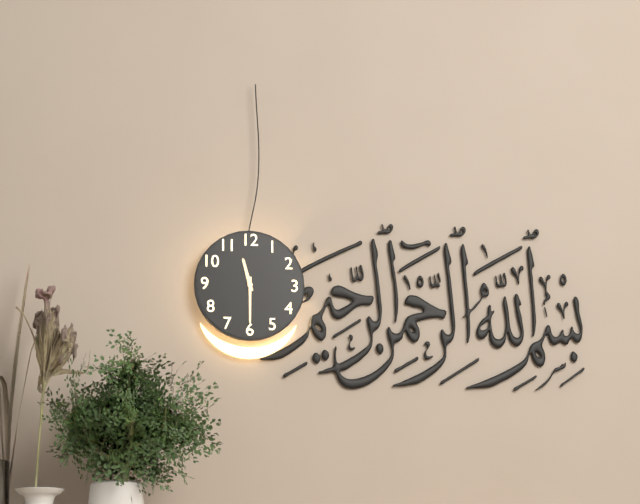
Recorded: 11.30
